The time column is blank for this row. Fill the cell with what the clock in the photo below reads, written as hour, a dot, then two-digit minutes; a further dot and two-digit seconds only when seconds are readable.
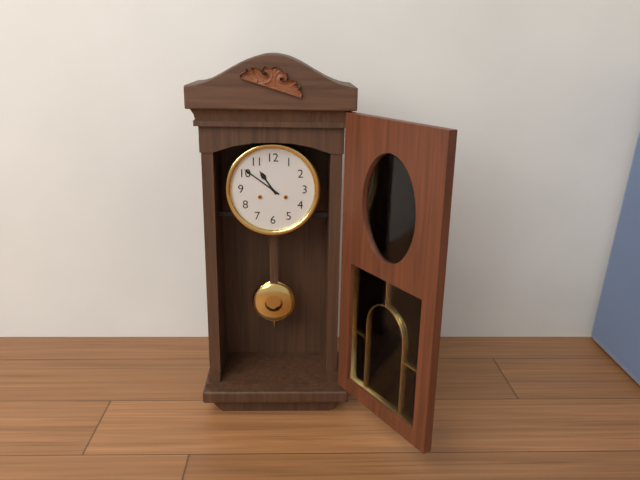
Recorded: 10.51
